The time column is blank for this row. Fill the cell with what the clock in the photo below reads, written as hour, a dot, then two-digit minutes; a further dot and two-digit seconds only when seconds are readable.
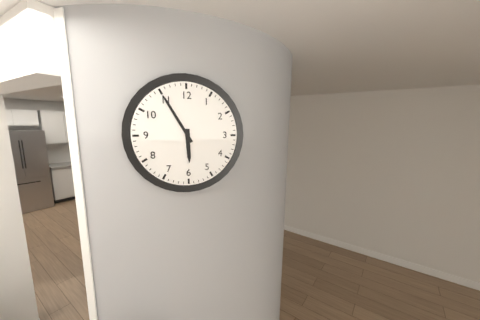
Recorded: 5.55
